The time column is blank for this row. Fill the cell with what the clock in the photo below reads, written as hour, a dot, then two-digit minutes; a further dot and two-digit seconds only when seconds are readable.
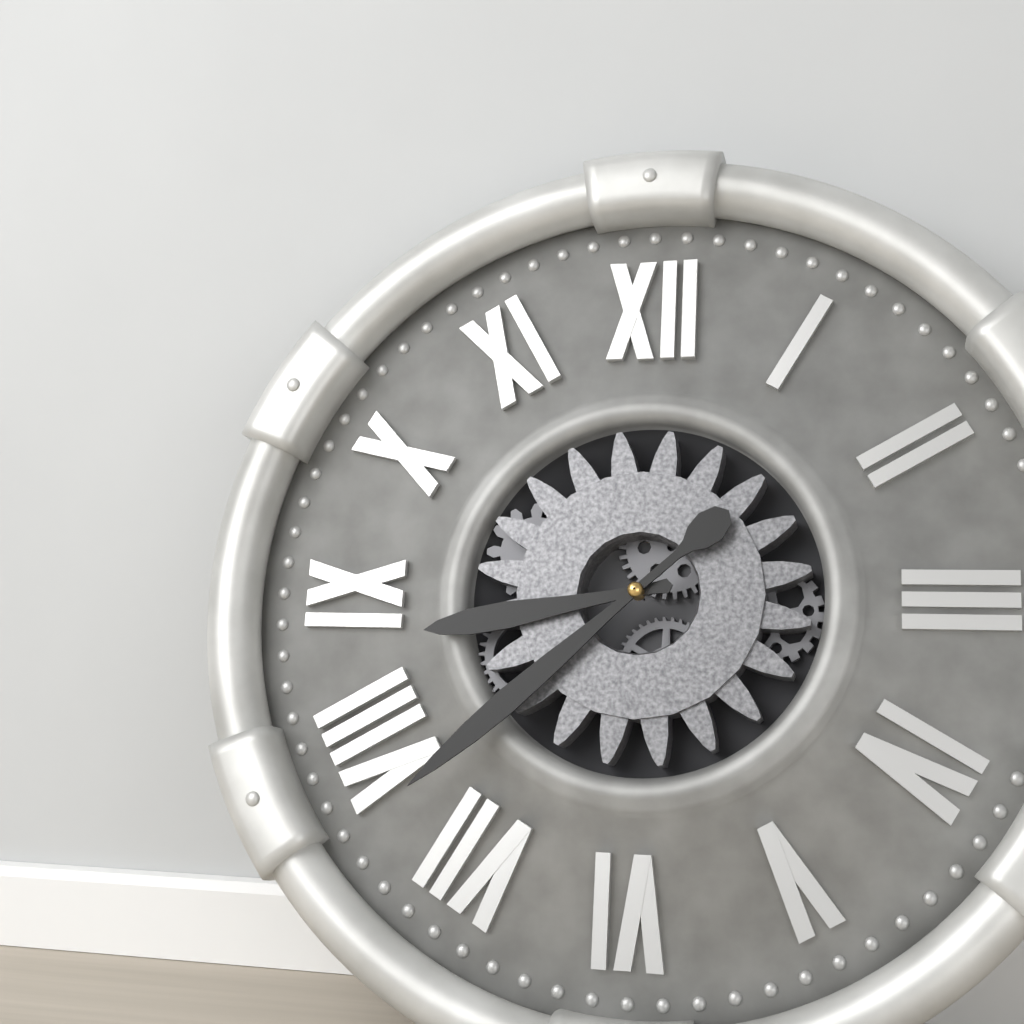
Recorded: 8.38
